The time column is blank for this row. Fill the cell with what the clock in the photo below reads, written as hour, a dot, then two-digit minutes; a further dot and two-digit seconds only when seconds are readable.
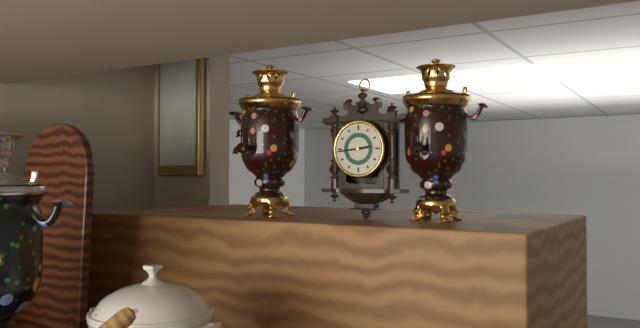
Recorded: 2.44
